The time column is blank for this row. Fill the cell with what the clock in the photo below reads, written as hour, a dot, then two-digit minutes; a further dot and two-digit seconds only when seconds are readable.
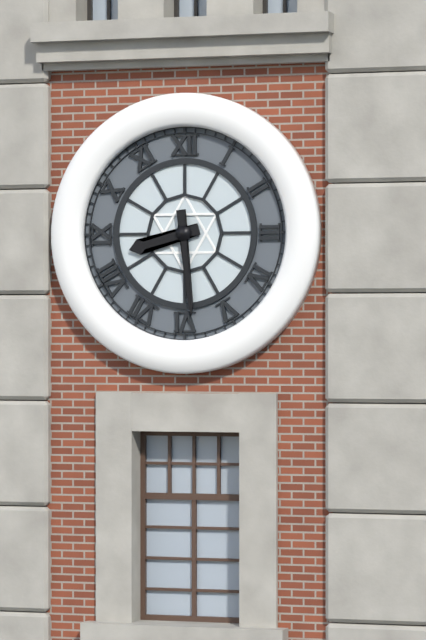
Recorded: 8.29
